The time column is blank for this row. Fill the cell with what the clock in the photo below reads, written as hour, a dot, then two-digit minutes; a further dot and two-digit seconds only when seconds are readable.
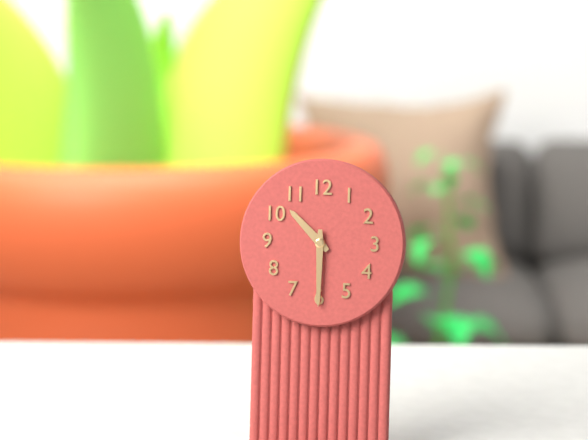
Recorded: 10.30
